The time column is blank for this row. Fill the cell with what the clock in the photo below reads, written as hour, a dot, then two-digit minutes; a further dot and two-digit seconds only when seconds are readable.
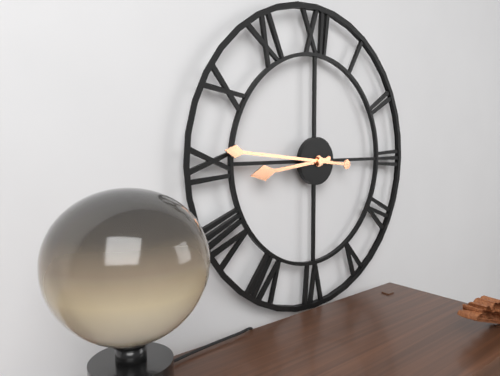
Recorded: 8.46
